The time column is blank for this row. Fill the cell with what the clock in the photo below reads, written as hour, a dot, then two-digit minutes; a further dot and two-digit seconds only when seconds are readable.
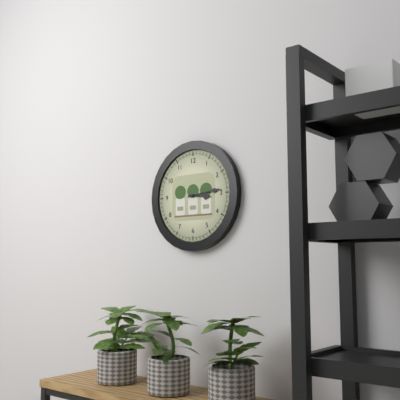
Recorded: 3.14
